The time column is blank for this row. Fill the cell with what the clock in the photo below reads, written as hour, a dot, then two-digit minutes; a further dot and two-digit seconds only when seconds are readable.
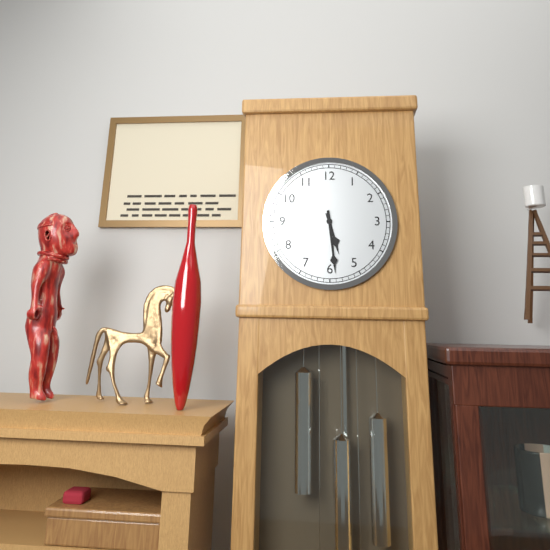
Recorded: 5.29
